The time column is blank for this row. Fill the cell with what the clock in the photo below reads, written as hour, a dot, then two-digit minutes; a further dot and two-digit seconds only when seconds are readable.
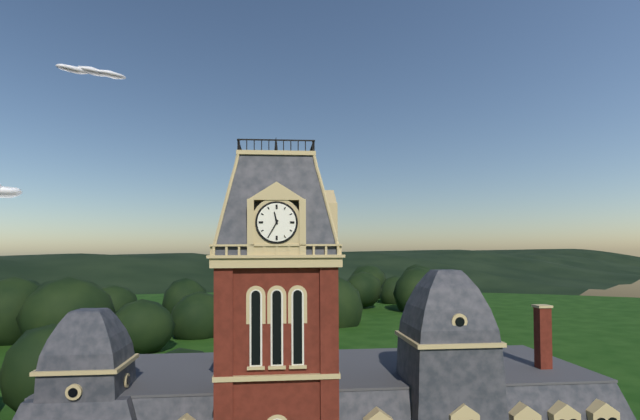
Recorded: 11.35
